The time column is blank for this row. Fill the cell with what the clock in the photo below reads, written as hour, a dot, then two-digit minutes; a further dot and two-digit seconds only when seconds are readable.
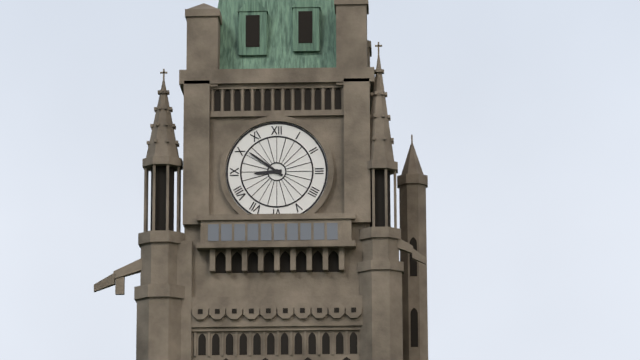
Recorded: 8.51
